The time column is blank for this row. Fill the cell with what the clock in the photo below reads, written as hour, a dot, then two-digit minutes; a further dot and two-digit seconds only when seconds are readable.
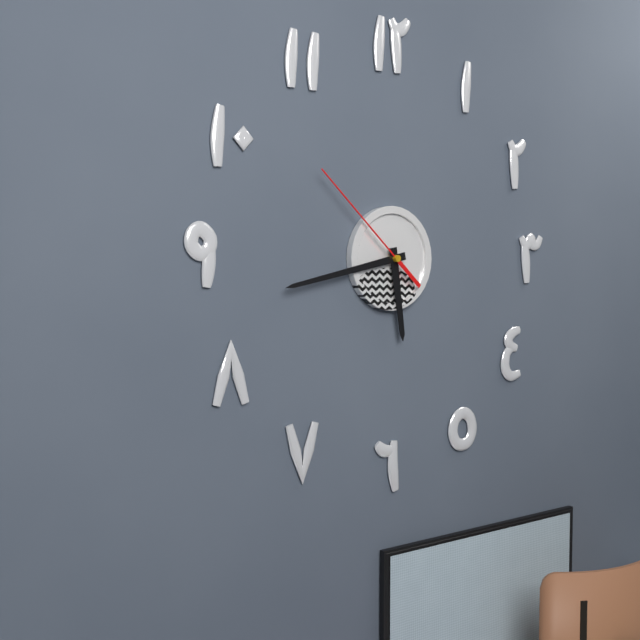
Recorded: 5.43.52
